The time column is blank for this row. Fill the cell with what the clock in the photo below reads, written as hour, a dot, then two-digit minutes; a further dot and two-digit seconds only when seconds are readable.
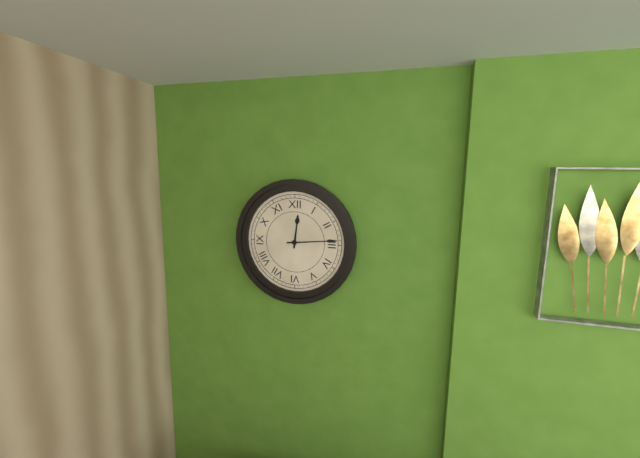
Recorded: 12.14
